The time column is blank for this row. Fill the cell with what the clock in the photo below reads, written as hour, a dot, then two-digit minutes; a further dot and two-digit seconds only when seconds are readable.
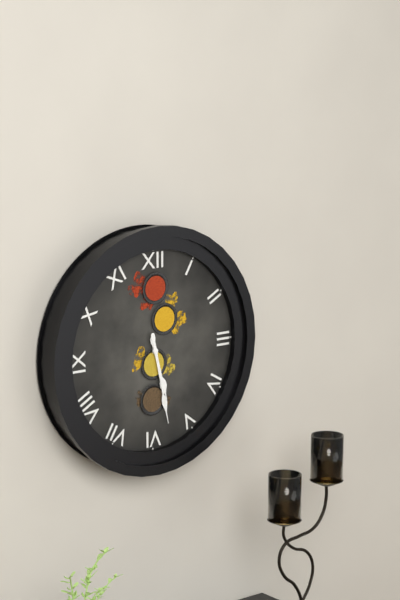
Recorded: 5.28
